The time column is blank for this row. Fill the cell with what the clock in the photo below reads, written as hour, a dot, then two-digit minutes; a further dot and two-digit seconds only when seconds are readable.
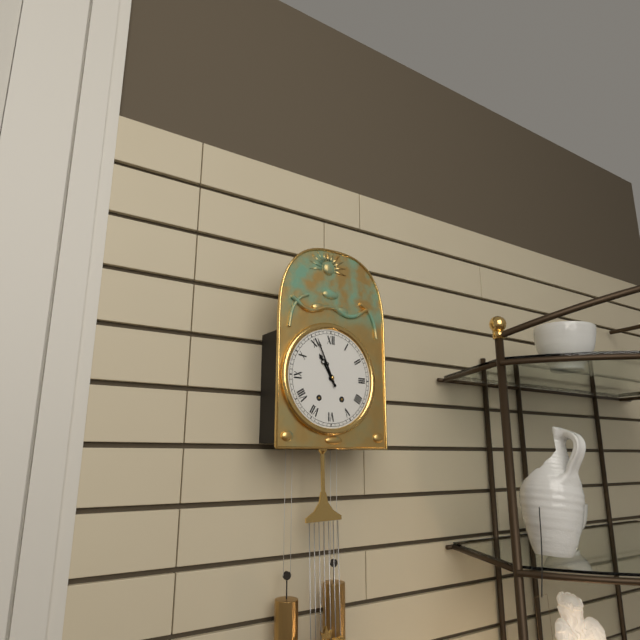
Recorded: 10.56
